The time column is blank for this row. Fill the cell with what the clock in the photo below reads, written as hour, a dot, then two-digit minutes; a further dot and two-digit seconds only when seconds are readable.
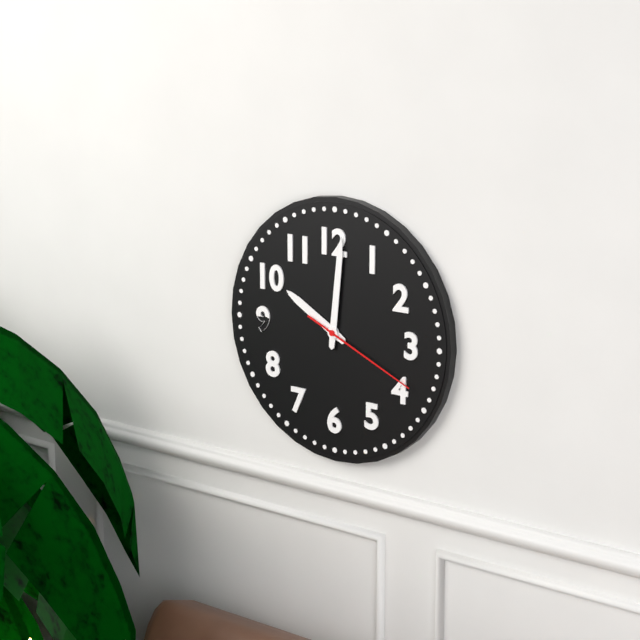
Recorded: 10.01.19
